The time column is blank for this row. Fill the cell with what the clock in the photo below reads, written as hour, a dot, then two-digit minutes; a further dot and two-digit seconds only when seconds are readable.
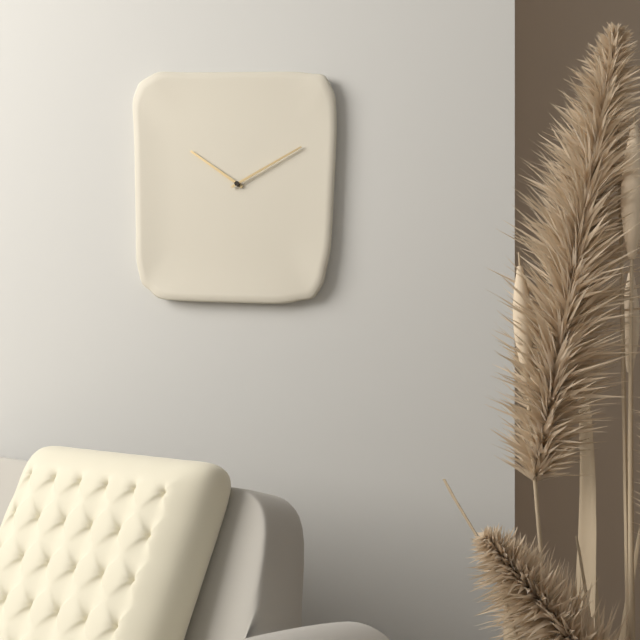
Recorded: 10.10
